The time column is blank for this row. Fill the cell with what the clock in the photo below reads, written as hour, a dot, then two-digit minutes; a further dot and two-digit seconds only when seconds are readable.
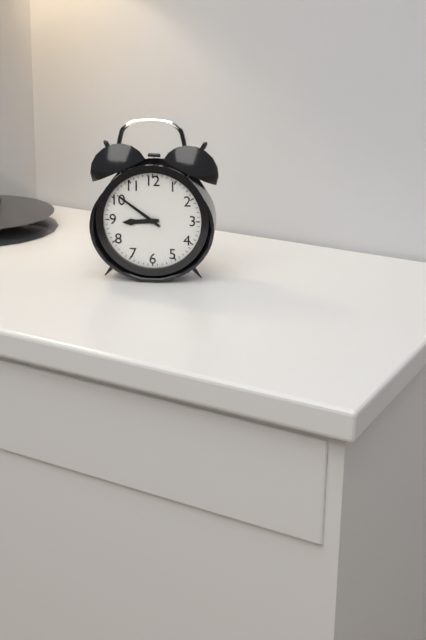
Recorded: 8.51
